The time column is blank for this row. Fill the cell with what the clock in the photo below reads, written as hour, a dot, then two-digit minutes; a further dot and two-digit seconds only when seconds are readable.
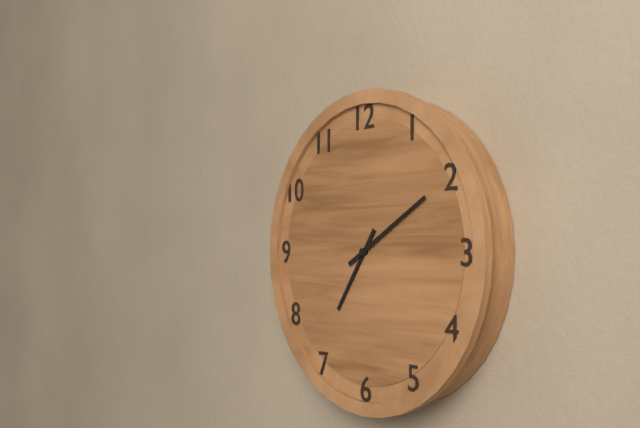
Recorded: 7.10
